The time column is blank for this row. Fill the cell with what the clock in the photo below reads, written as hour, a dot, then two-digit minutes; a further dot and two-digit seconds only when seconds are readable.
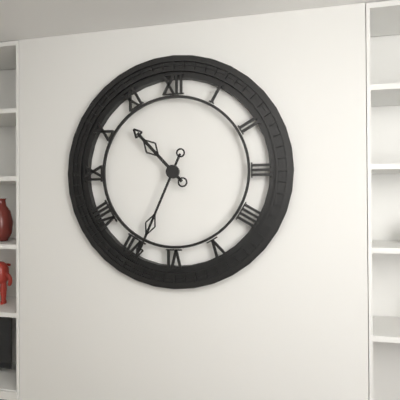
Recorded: 10.34
